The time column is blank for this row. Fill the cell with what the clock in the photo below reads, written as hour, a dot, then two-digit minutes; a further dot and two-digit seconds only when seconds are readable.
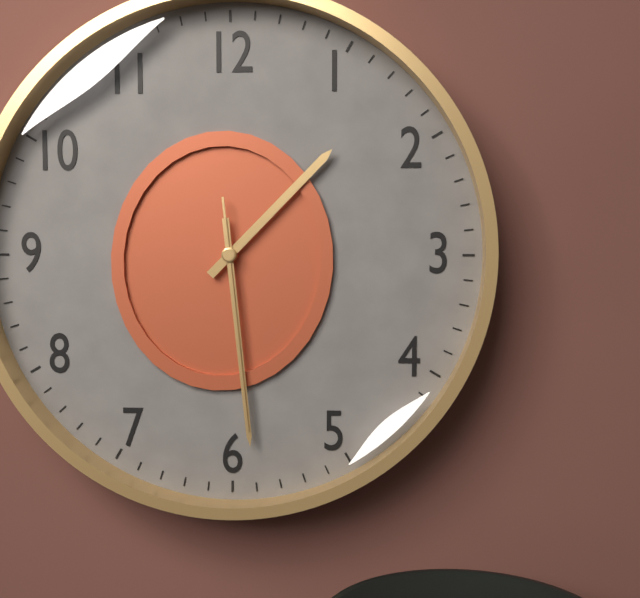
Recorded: 1.29.29
